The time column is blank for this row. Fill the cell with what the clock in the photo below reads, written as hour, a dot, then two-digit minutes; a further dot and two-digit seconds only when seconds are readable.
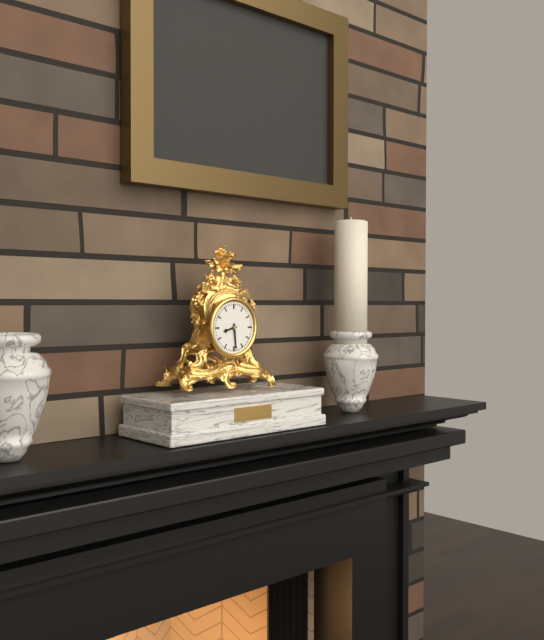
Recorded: 8.29
